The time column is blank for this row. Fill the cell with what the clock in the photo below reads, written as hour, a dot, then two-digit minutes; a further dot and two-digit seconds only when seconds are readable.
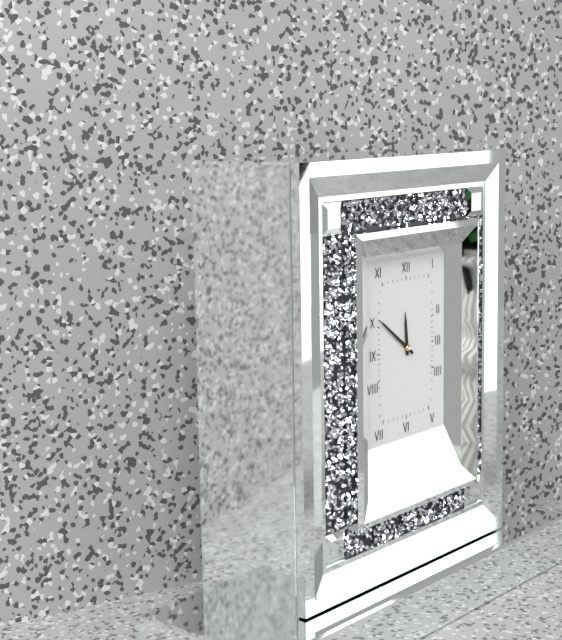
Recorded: 11.51
